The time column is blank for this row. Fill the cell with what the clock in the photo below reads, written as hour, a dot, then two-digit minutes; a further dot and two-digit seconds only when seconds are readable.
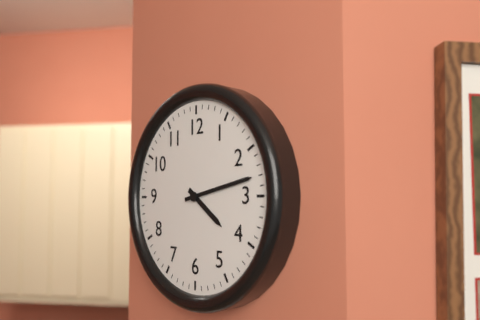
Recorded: 4.13
